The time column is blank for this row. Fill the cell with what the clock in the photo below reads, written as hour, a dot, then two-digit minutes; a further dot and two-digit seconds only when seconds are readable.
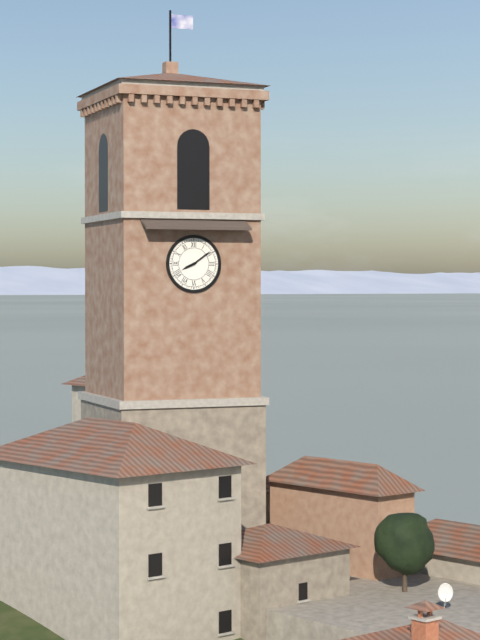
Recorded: 8.09
